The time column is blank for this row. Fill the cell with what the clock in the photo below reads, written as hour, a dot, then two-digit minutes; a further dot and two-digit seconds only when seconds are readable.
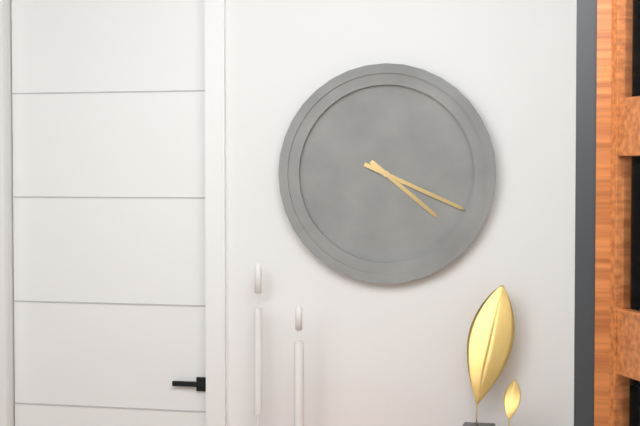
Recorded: 4.19
